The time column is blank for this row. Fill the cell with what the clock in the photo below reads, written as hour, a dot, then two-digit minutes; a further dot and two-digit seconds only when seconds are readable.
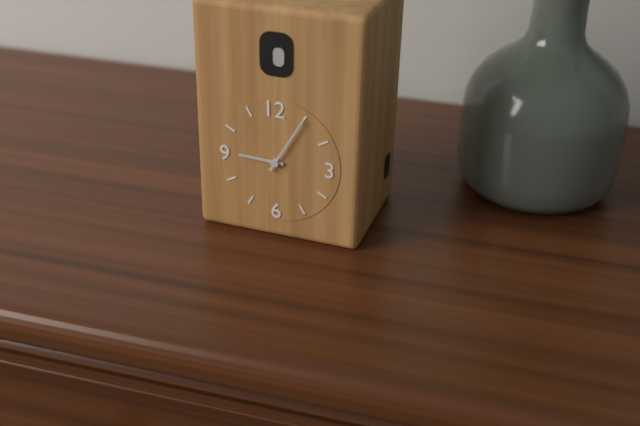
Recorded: 9.05
